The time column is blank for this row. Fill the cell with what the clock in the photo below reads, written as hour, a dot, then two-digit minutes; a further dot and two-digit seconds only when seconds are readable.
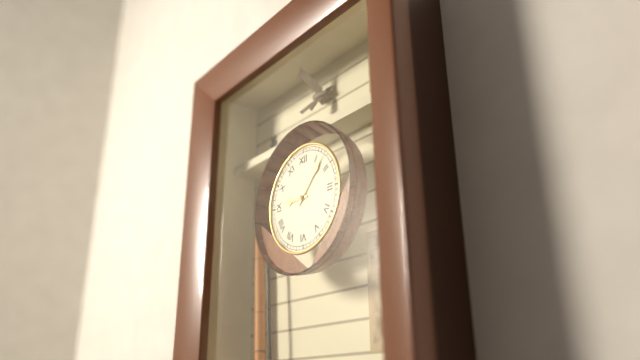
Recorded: 9.07
